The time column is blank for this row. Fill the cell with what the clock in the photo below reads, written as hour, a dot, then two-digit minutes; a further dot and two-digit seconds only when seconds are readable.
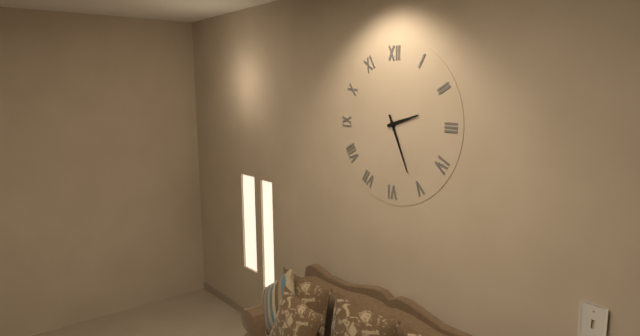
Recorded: 2.26
